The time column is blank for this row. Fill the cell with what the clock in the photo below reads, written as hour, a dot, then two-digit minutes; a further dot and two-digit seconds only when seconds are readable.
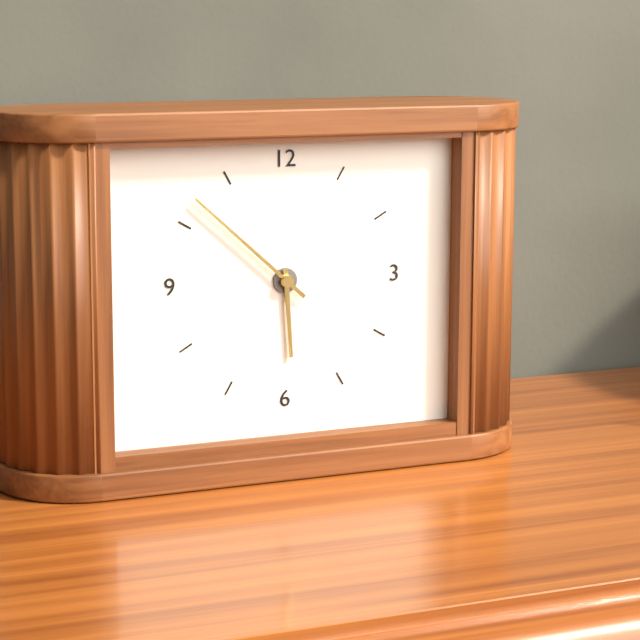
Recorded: 5.52
